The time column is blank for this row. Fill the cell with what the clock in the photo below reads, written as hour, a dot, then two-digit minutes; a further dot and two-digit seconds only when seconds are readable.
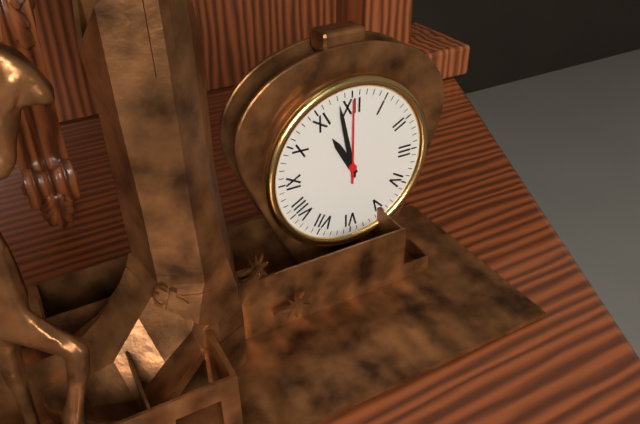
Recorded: 10.58.00
